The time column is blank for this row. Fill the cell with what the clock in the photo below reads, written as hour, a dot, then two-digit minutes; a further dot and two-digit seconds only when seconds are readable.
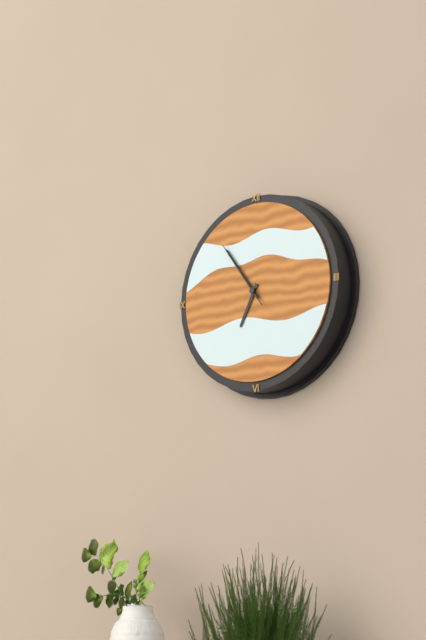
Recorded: 6.54.54
